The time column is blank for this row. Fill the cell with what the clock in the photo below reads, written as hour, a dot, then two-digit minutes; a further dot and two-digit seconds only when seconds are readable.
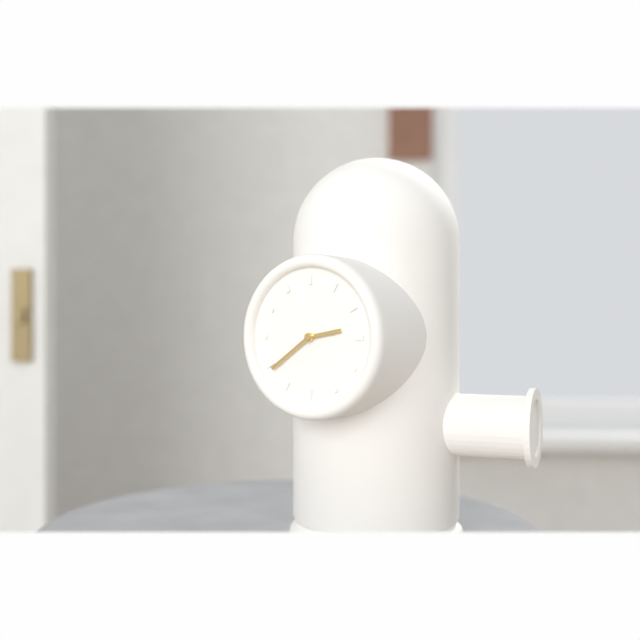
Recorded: 2.39
